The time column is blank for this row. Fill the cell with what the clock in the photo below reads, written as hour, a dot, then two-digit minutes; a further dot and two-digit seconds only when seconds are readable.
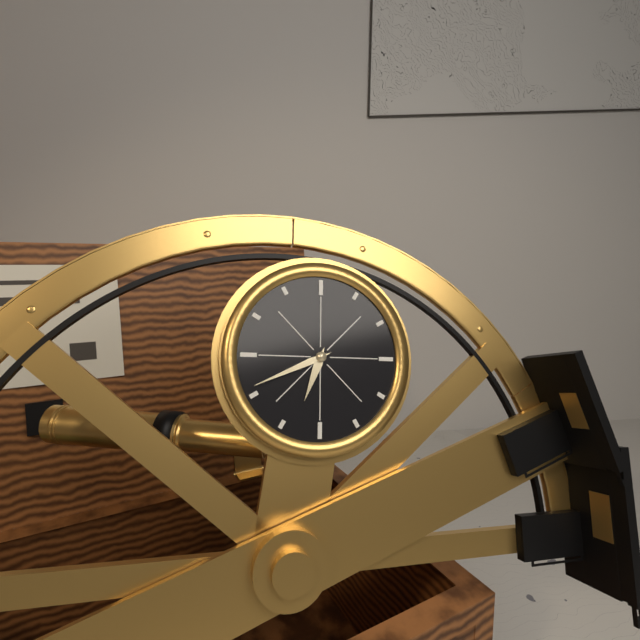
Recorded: 6.41
